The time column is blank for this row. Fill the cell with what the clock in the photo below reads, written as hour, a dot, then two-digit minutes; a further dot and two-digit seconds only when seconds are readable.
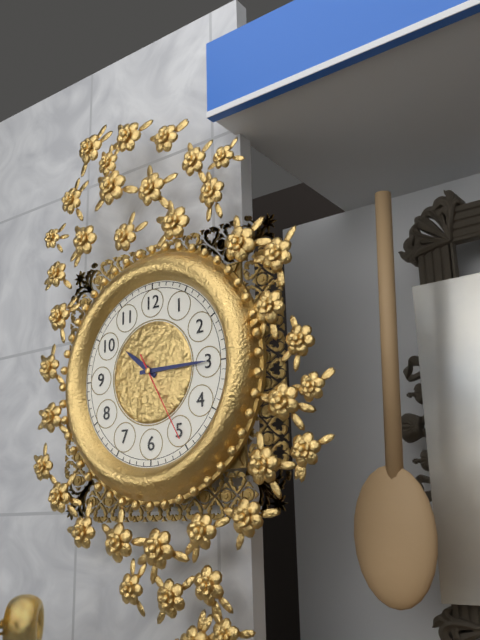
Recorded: 10.15.25
